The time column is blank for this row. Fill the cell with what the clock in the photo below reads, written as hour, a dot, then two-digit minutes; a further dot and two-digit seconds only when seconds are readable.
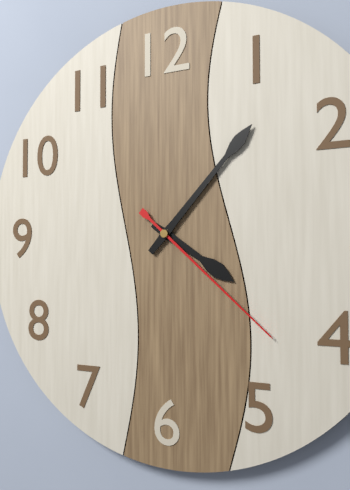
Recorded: 4.07.22
